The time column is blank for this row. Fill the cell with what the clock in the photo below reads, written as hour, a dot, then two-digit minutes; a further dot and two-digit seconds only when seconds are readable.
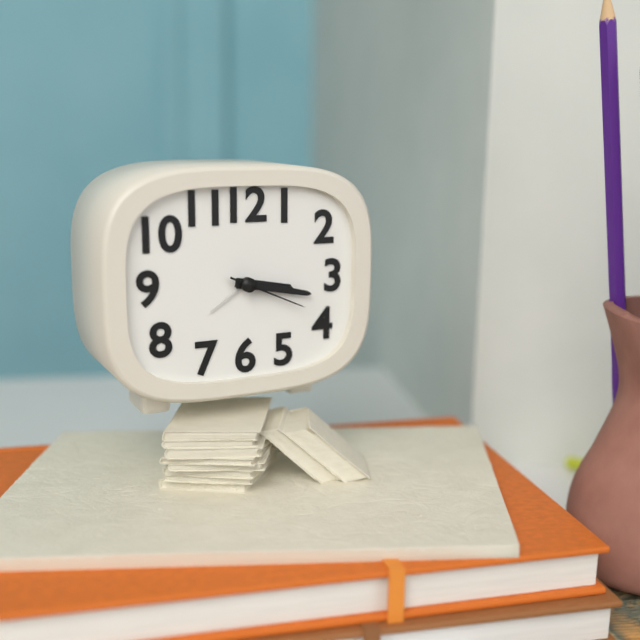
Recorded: 3.17.19
